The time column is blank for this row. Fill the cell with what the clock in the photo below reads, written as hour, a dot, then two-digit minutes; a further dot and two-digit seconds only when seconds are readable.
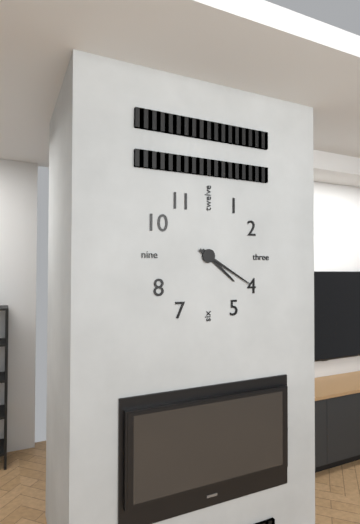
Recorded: 4.20
